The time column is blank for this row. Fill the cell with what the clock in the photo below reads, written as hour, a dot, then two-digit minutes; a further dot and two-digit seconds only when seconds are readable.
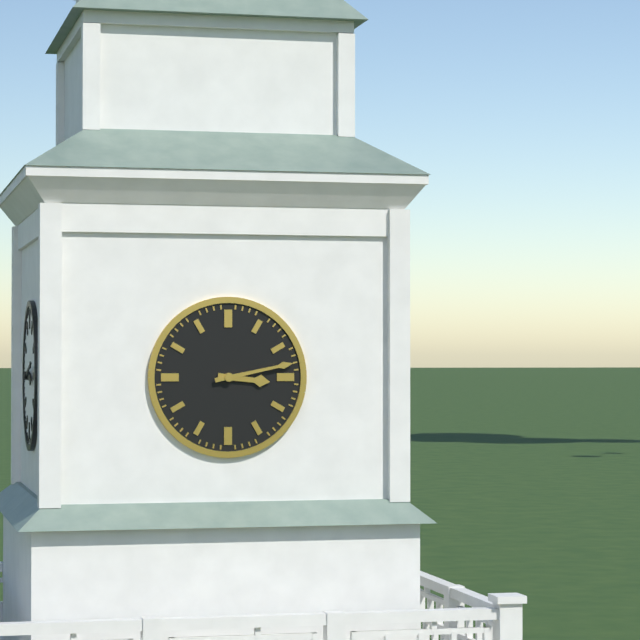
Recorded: 3.13
